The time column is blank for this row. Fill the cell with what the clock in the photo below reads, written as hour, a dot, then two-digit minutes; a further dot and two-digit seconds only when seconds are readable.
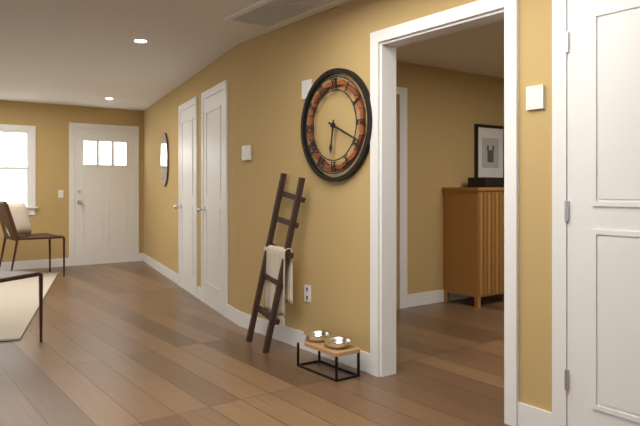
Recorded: 6.19
